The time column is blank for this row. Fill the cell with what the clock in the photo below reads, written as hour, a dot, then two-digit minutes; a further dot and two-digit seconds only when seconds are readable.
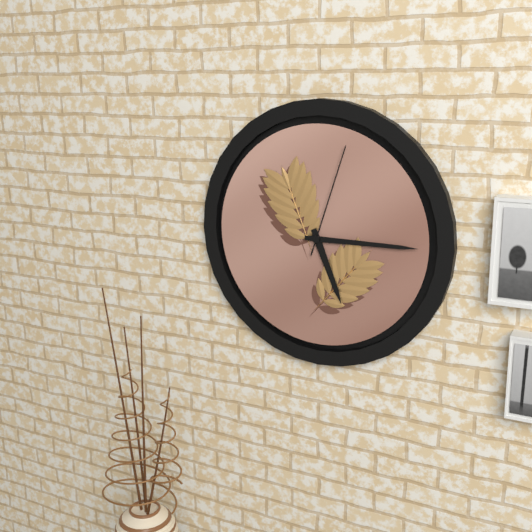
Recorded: 5.15.03
